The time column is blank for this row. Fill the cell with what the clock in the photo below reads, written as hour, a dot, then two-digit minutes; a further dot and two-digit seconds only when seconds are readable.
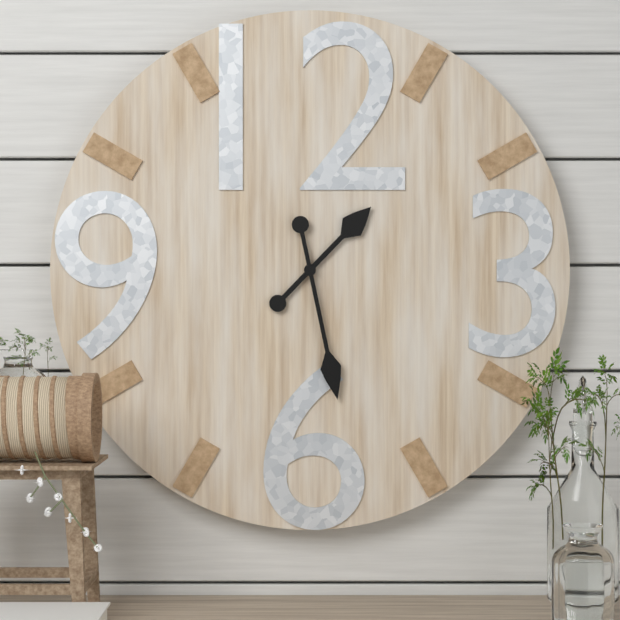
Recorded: 1.28
